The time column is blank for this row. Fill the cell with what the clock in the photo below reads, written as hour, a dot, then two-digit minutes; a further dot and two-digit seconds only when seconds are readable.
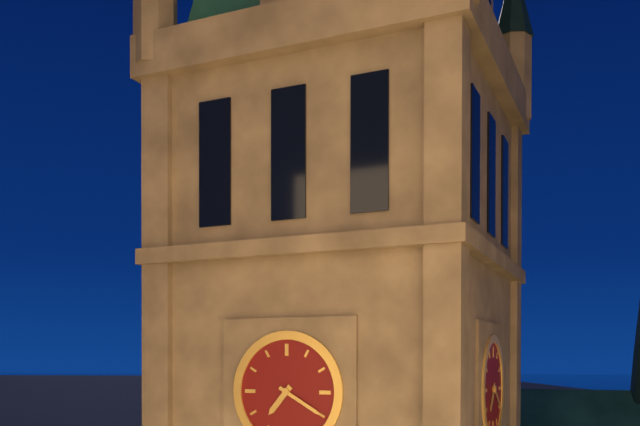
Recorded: 7.20
